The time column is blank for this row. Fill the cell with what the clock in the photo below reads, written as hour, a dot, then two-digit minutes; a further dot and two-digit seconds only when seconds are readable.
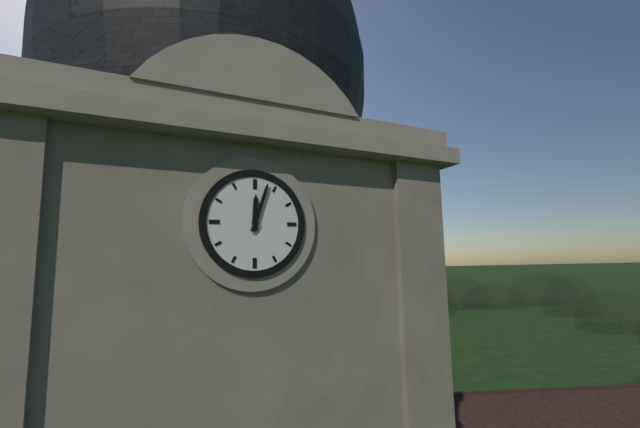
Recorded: 12.03
